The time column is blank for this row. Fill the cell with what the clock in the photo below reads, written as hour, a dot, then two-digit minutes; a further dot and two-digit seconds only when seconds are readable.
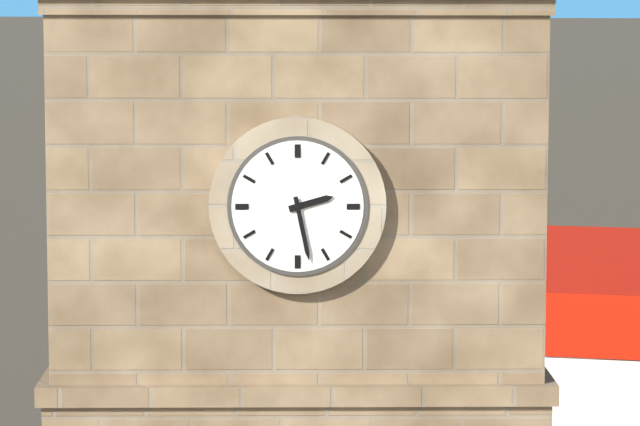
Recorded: 2.28
